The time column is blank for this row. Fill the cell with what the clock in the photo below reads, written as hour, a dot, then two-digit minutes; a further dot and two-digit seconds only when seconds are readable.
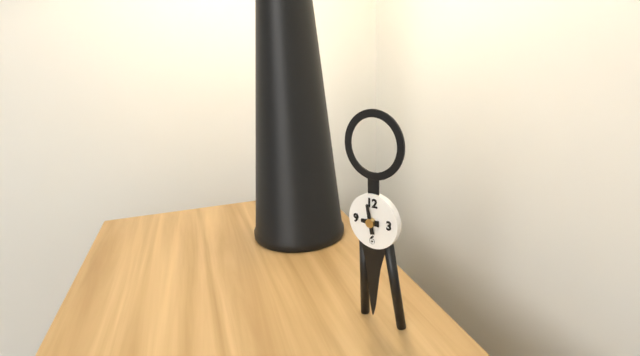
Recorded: 8.58
